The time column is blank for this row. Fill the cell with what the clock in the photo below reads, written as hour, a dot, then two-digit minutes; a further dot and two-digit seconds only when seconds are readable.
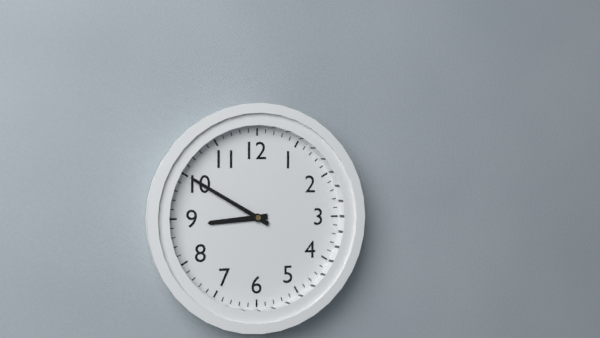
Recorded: 8.50
